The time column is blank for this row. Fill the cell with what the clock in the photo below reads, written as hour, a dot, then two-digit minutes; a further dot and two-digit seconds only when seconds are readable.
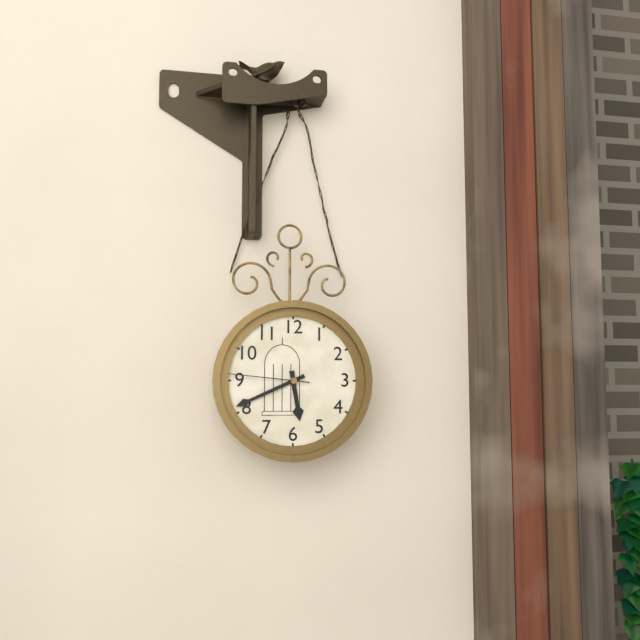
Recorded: 5.41.46
